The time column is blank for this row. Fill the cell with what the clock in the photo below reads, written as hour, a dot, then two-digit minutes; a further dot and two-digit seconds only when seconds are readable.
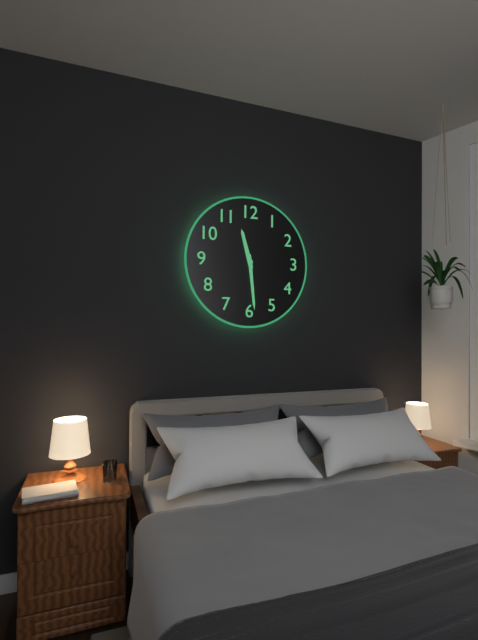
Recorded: 11.29
